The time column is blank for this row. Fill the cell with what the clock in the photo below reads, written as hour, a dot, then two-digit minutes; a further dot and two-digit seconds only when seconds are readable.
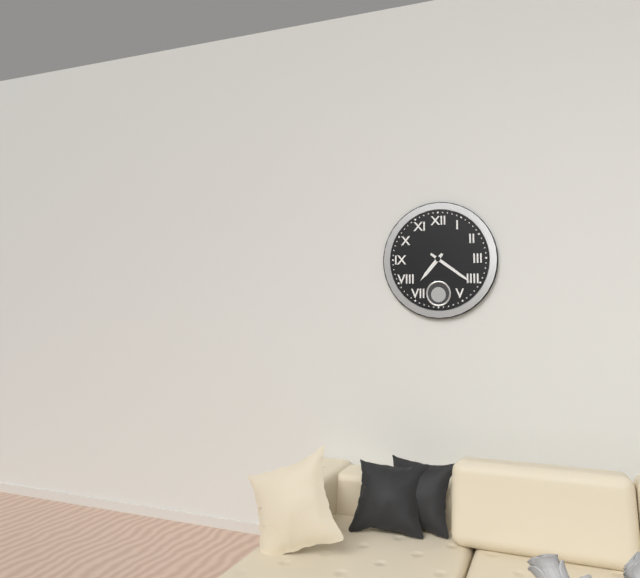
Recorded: 7.21
